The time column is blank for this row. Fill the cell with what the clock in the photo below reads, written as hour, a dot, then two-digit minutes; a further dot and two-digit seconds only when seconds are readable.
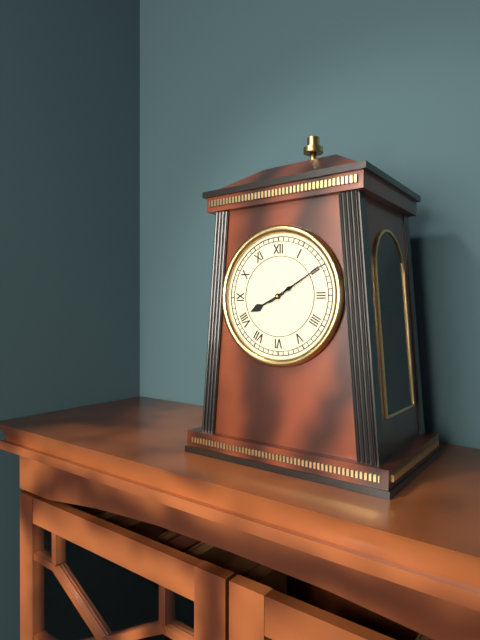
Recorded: 8.10
